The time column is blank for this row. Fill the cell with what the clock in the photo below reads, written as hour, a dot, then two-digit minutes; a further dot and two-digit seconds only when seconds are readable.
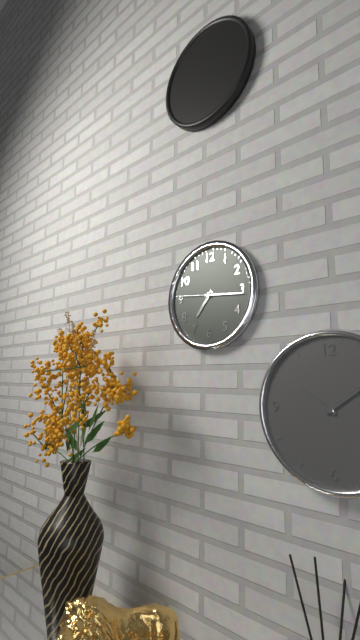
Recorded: 7.16
